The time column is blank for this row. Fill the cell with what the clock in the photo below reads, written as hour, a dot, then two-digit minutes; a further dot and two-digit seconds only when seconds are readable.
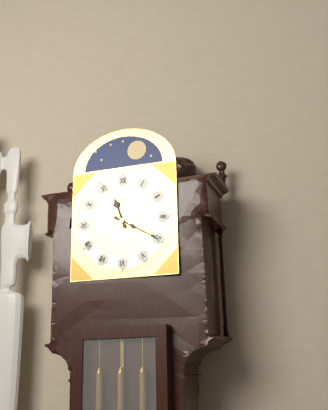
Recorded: 11.20
